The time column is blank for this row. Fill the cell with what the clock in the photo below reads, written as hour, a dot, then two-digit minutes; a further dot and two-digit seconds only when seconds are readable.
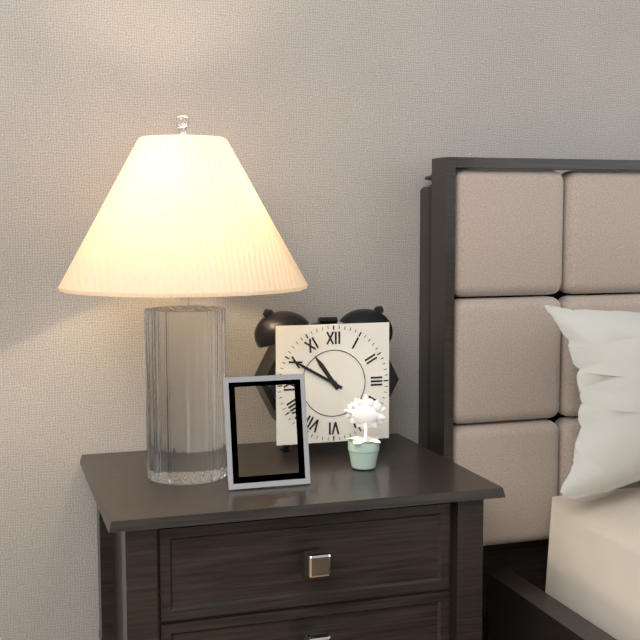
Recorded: 10.50
